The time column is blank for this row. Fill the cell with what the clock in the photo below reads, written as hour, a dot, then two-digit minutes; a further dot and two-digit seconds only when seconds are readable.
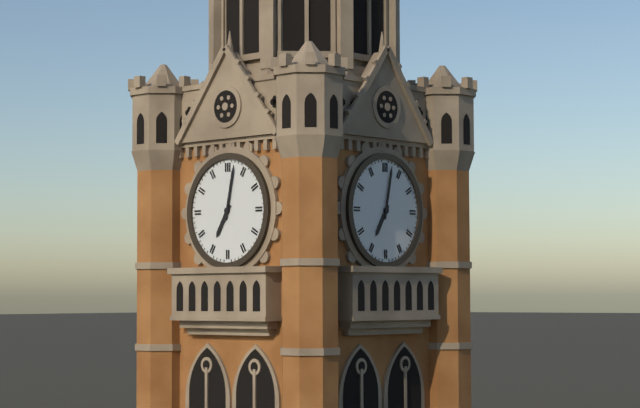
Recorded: 7.02
